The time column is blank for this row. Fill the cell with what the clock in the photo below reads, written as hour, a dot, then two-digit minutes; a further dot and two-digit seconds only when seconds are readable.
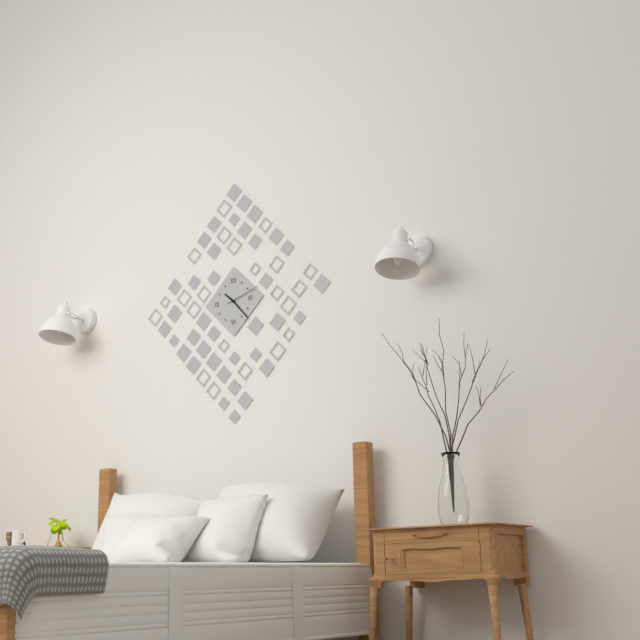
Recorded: 10.23
